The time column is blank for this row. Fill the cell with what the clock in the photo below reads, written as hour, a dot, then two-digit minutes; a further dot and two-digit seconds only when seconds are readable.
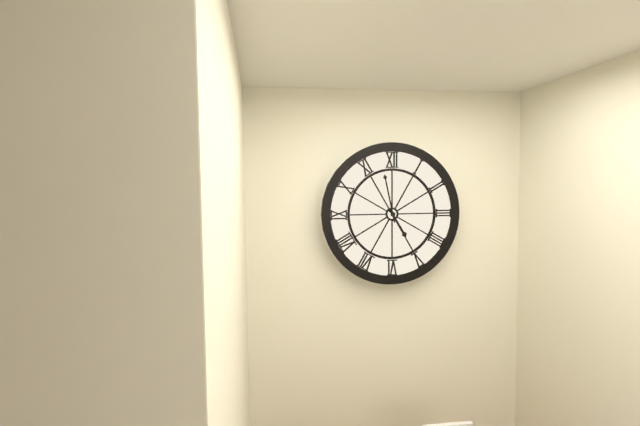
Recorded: 4.58
